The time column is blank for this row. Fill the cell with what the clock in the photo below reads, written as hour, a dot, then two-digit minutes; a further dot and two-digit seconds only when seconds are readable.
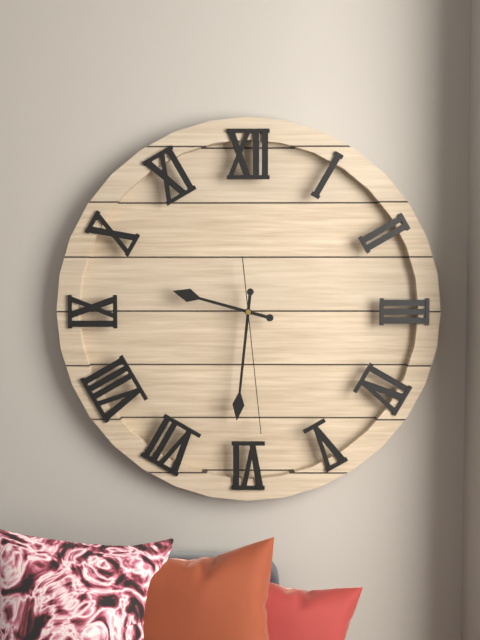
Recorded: 9.31.29
